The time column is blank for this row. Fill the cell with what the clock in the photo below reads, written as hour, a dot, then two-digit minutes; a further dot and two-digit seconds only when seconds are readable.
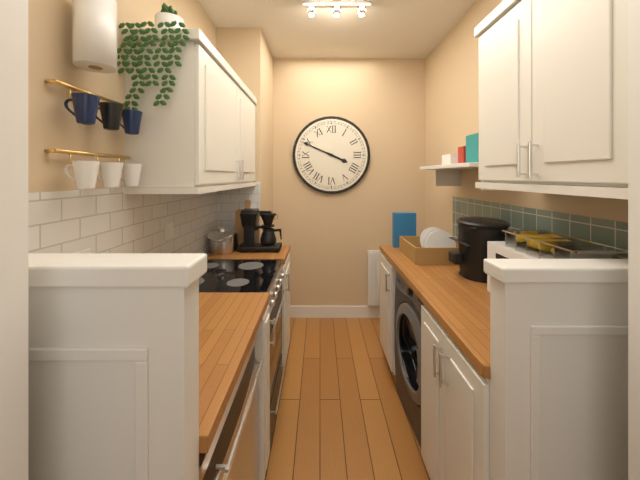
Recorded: 3.49
